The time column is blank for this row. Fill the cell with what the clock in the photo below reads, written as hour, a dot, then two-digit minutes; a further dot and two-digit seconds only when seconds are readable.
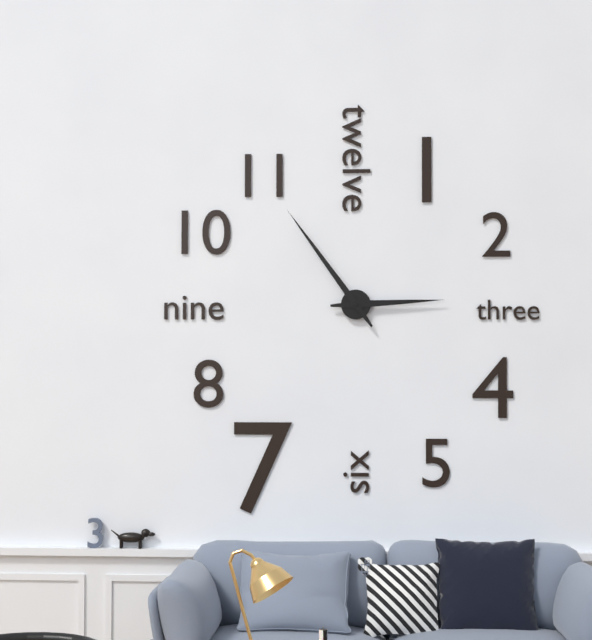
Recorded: 2.54
